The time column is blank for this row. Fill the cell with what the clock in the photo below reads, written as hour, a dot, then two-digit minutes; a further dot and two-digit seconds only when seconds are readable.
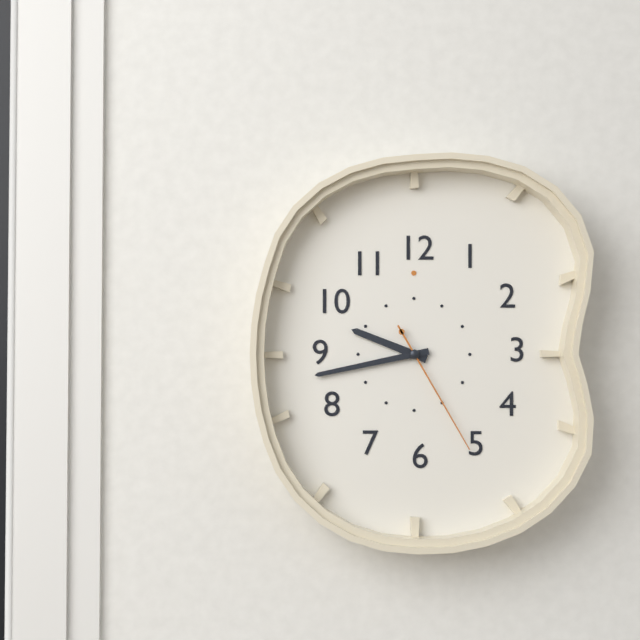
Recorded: 9.43.25
